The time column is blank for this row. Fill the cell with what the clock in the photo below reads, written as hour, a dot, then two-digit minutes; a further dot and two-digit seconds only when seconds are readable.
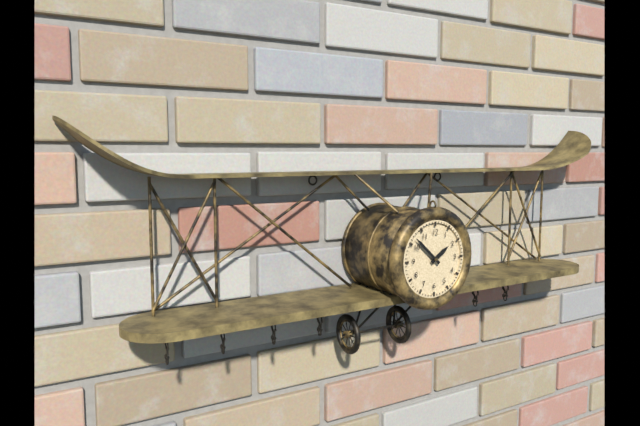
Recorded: 1.52
